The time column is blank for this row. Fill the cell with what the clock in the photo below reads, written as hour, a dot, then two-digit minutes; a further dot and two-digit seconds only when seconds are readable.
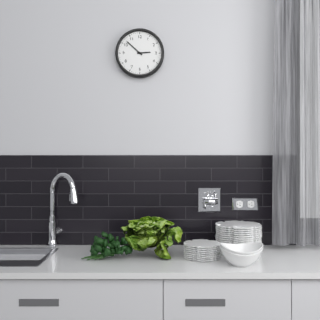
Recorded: 2.52
